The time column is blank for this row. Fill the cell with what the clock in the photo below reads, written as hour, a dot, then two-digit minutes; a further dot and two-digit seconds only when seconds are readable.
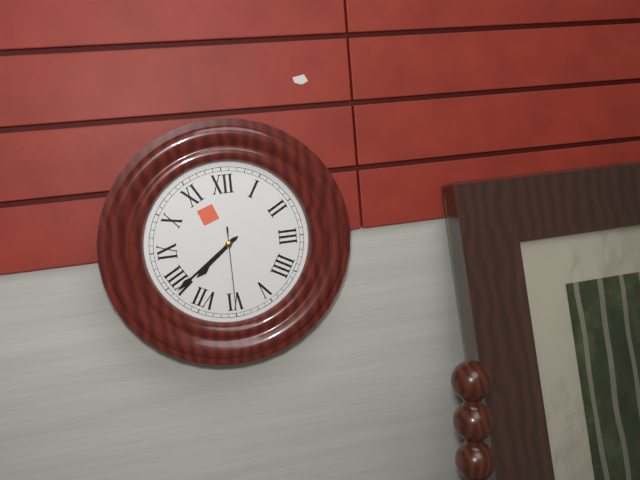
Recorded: 7.39.30
